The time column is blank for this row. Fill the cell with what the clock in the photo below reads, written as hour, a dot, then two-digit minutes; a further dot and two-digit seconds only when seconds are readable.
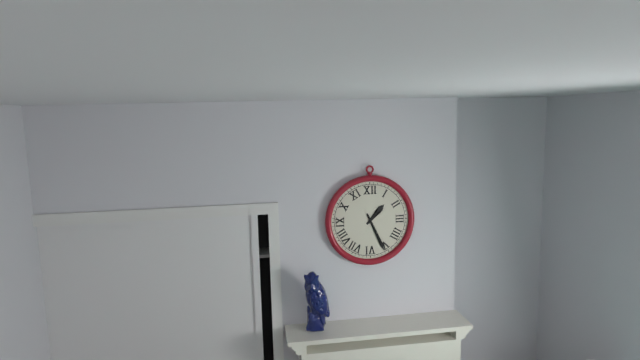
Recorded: 1.26
